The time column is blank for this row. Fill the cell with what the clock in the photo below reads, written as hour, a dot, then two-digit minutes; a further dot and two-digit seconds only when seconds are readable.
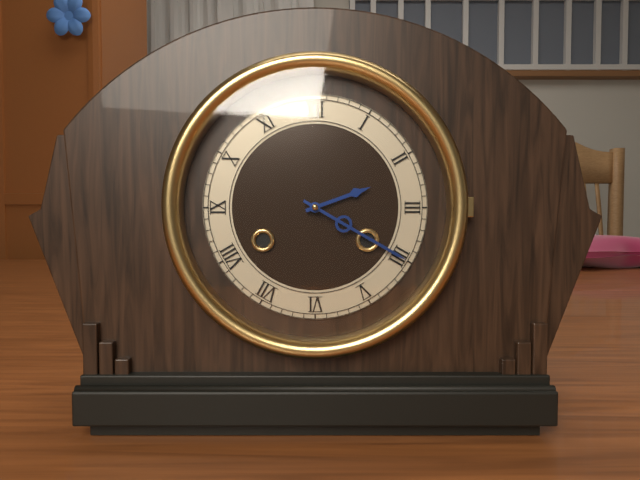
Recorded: 2.20
